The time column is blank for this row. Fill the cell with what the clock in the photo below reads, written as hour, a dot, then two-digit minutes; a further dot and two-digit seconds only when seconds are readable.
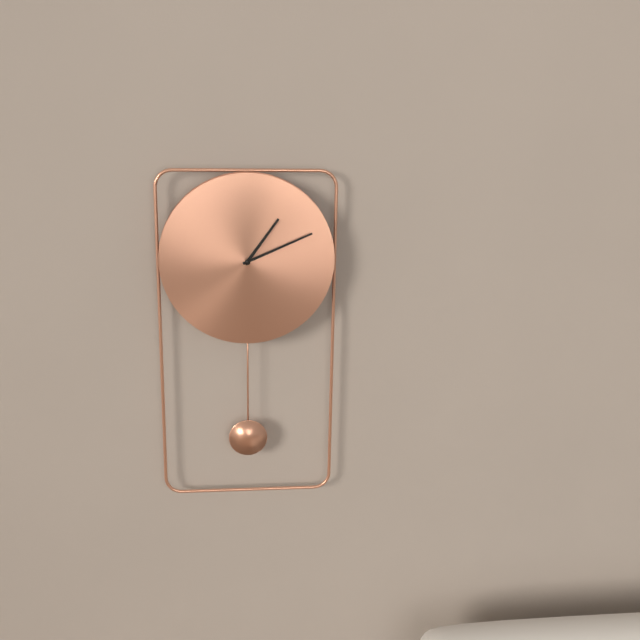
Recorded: 1.11
